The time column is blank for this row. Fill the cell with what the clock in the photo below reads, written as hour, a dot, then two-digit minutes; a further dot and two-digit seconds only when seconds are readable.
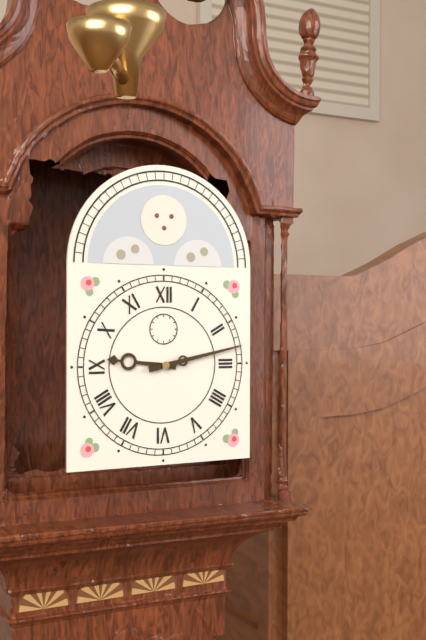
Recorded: 9.13
